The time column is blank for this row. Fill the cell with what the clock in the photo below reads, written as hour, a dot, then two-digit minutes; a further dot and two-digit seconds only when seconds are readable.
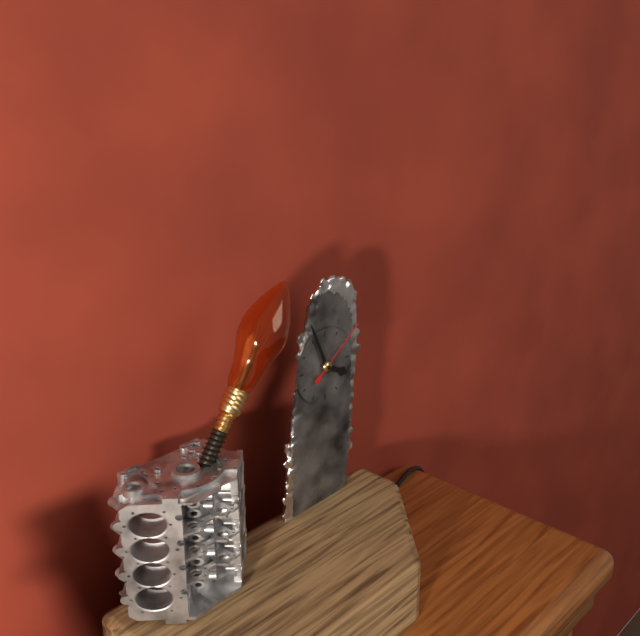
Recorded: 3.56.09
